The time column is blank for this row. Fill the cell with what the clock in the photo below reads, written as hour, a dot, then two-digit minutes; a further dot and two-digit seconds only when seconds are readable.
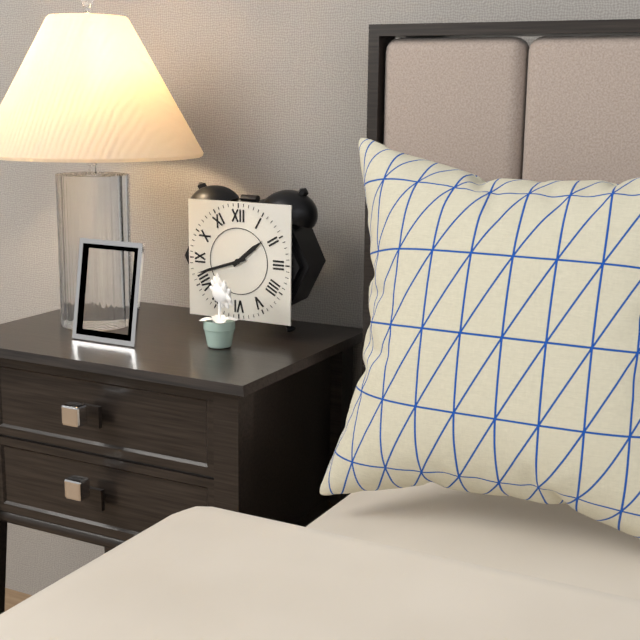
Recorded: 1.42
